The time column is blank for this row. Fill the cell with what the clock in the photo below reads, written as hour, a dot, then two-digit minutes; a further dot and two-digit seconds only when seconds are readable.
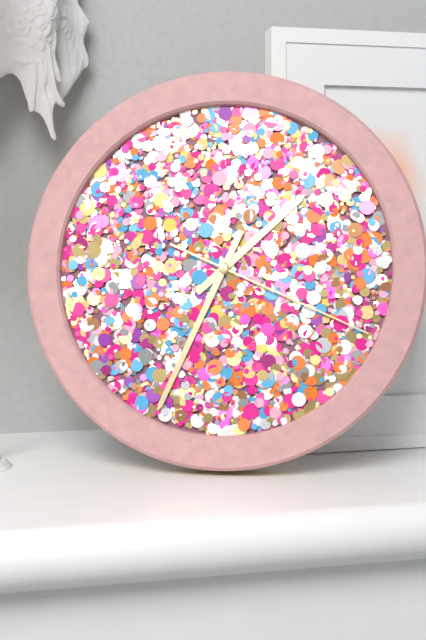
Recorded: 1.34.19
